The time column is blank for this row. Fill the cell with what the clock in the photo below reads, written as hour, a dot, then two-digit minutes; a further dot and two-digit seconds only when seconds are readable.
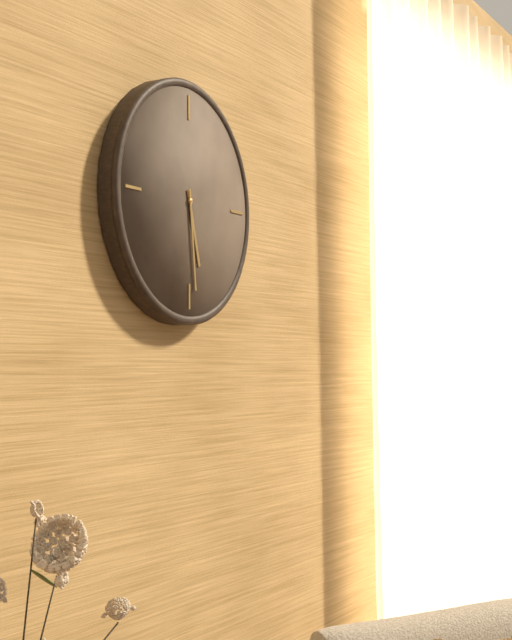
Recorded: 5.29
